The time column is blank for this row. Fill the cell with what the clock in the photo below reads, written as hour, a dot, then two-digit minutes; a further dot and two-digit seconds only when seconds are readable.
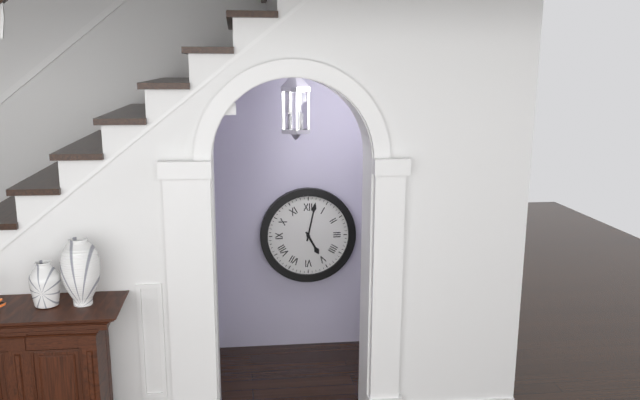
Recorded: 5.02
